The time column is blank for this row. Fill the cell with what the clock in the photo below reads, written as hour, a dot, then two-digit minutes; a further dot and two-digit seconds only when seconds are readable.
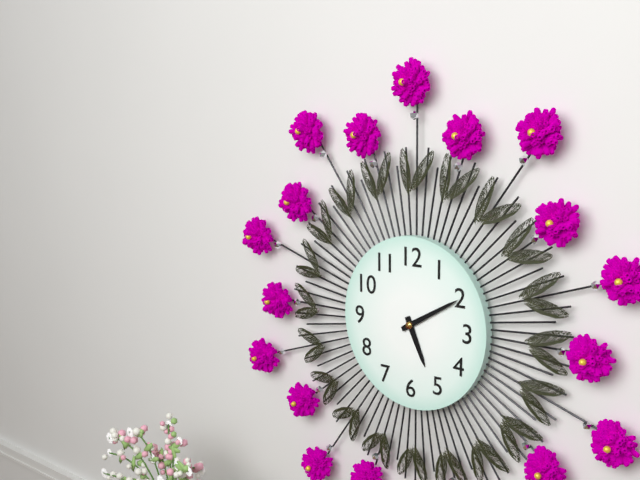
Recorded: 5.10
